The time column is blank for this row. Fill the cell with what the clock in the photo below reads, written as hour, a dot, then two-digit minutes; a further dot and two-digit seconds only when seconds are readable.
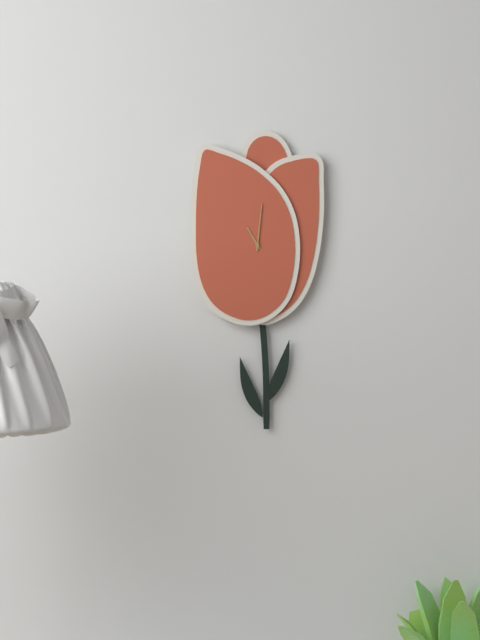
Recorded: 11.01
